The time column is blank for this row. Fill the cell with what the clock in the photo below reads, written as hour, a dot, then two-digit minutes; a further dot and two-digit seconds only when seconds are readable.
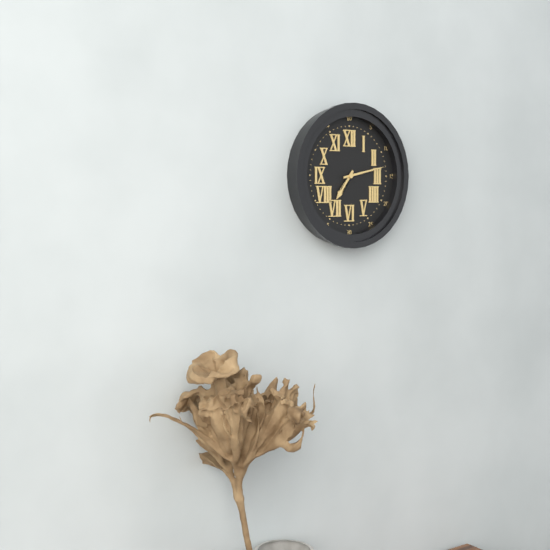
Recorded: 7.13
